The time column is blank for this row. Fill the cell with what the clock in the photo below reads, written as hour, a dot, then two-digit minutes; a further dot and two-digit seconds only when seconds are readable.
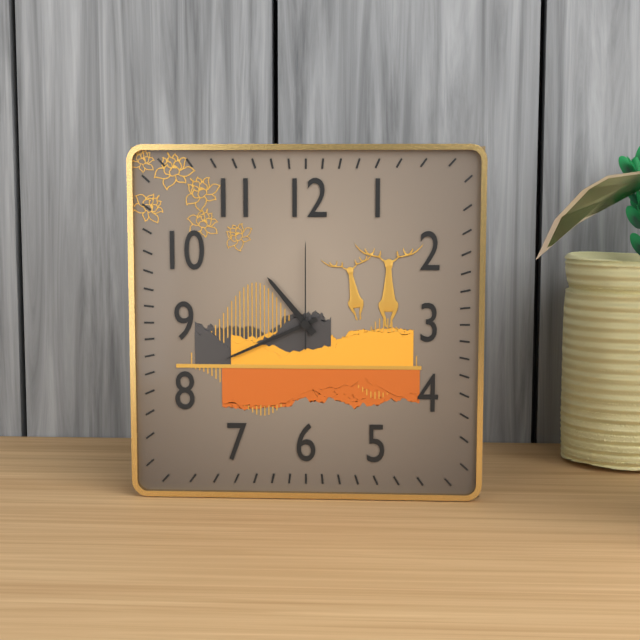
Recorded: 10.41.00
